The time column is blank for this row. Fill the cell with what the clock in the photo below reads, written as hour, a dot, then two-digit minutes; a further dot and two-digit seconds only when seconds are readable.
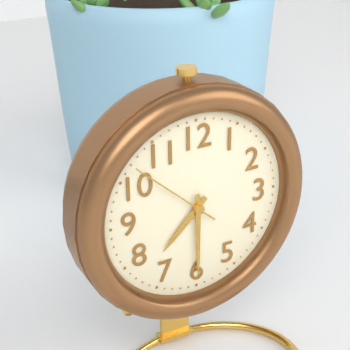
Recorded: 7.30.52
